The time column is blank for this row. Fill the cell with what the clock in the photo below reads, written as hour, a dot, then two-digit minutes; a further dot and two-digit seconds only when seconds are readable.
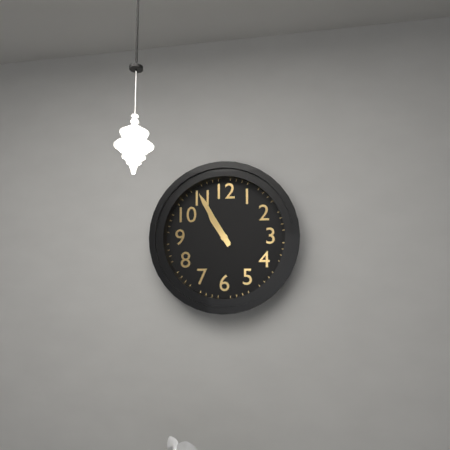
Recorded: 10.55
